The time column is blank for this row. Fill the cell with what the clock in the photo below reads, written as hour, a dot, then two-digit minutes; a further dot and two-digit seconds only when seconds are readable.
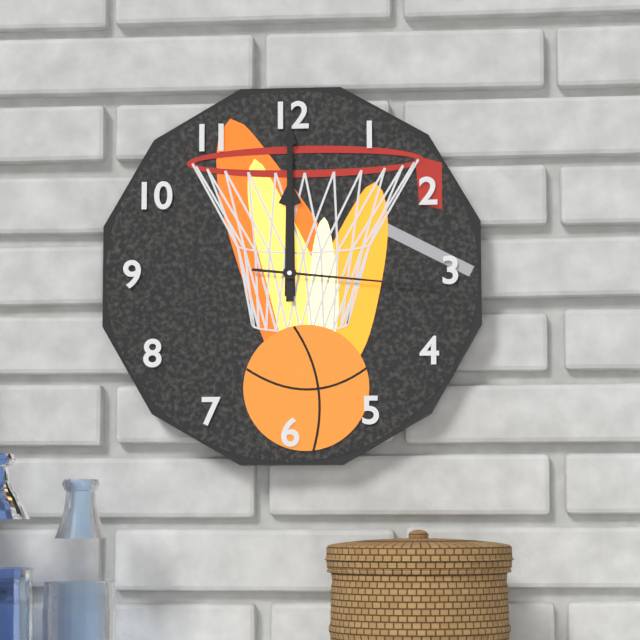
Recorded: 12.00.16
